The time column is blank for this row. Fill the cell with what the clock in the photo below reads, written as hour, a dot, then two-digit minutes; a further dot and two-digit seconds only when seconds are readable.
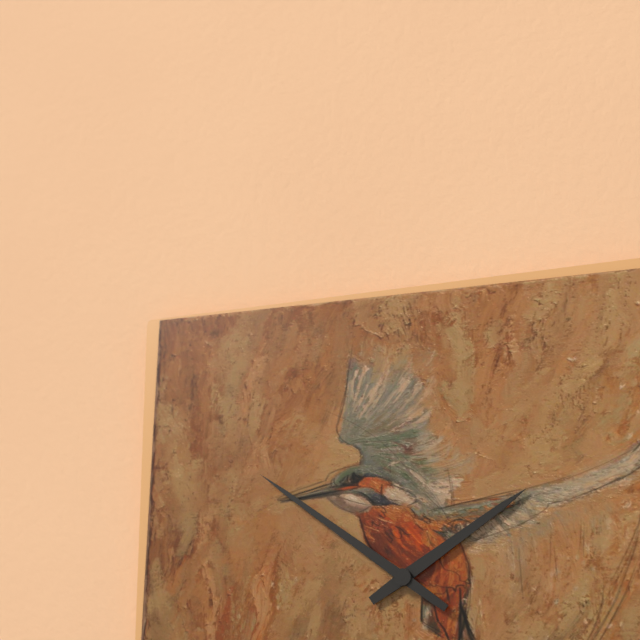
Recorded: 1.51
